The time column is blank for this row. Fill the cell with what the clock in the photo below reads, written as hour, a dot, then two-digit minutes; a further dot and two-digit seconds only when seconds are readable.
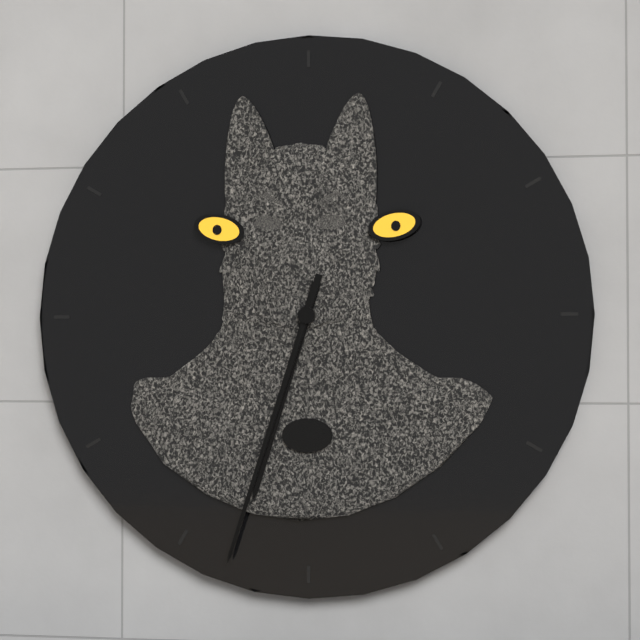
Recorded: 6.33
